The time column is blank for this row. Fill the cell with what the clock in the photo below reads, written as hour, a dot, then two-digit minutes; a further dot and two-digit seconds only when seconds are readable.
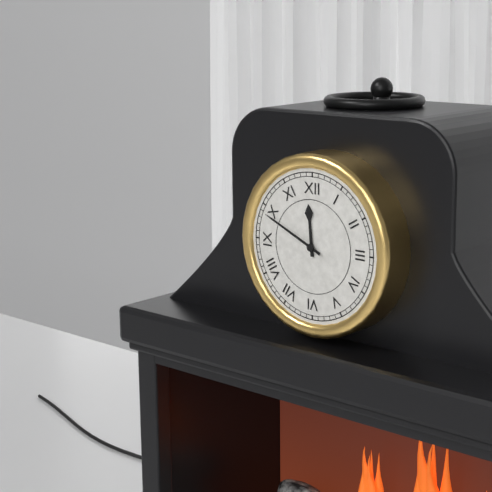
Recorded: 11.49
